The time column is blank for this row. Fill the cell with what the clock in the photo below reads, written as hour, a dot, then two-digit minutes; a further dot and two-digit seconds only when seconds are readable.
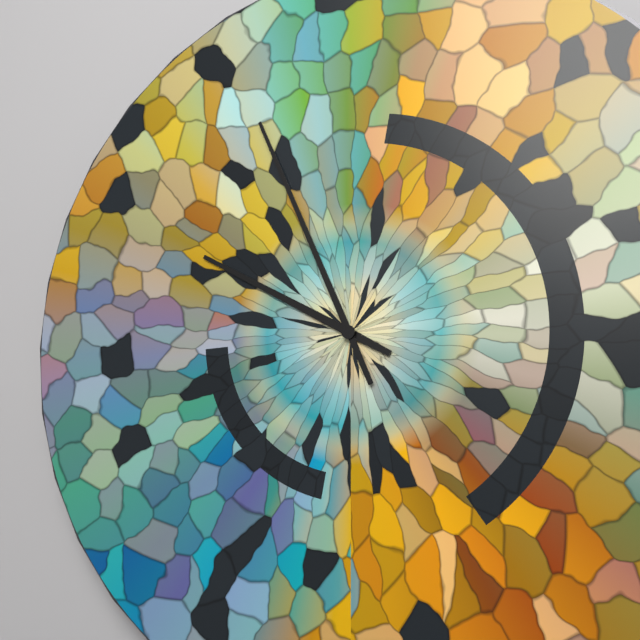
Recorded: 9.56
